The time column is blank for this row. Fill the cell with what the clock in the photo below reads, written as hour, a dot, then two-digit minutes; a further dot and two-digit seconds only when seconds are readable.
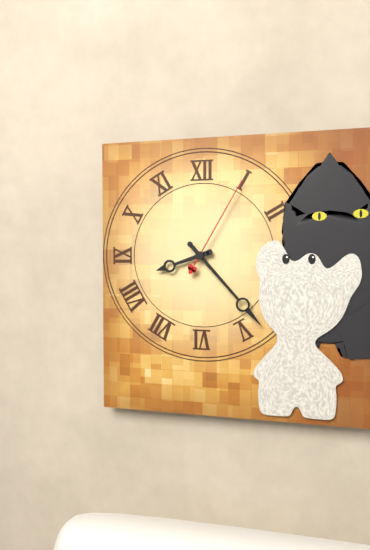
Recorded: 8.23.05
